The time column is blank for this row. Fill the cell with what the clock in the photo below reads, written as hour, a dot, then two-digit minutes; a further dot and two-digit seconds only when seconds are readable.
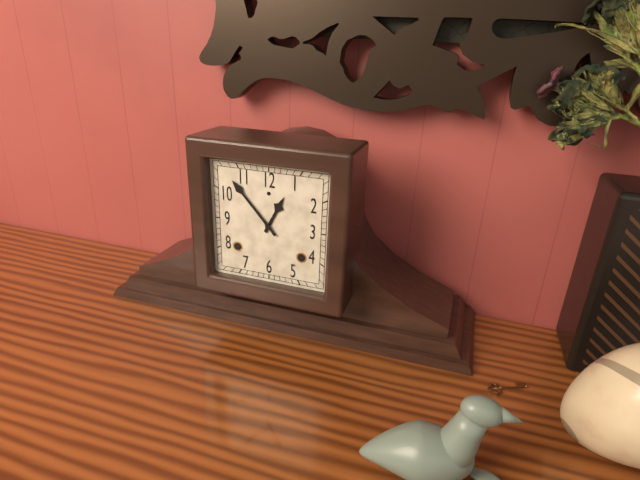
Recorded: 12.53
